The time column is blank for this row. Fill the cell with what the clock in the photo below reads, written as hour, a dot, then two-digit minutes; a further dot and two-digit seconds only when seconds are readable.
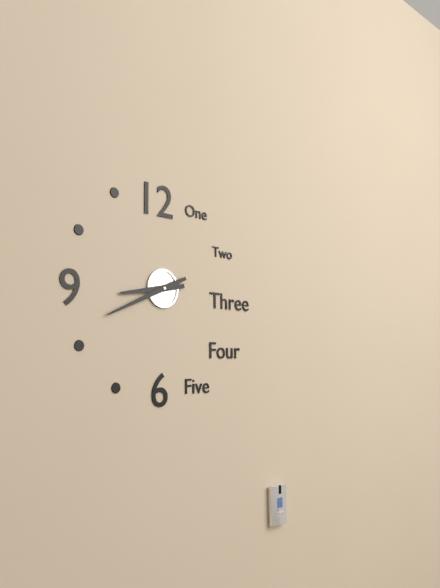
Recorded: 8.41
